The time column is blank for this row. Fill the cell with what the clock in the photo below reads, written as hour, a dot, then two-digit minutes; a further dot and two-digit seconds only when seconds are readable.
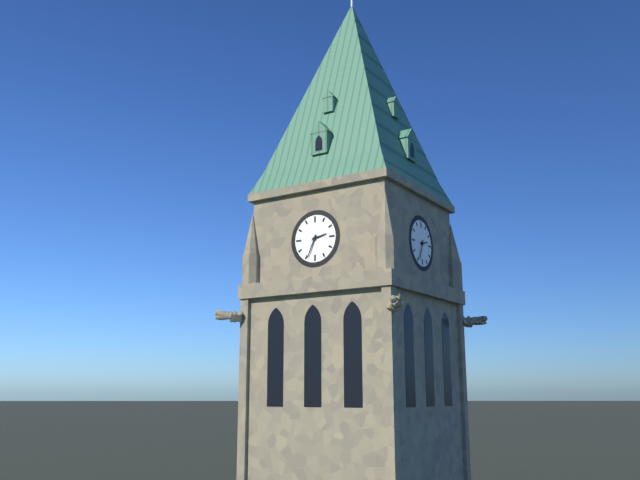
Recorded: 2.34
